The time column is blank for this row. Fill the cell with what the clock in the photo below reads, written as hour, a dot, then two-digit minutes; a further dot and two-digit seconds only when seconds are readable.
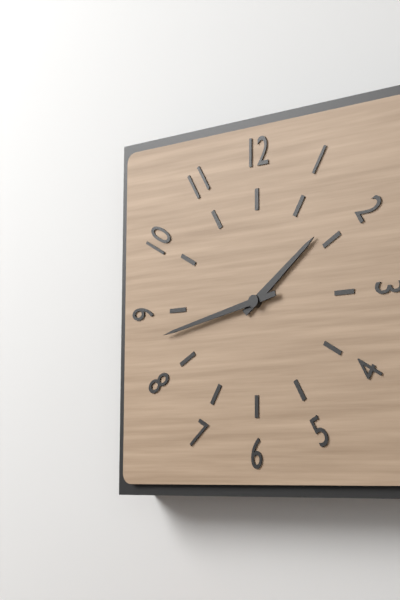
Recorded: 1.43
